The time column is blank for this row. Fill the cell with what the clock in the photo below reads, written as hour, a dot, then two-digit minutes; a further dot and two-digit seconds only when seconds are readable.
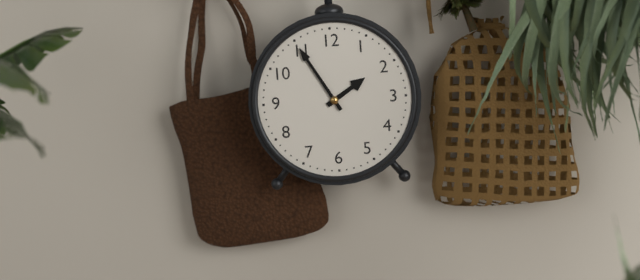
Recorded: 1.55
